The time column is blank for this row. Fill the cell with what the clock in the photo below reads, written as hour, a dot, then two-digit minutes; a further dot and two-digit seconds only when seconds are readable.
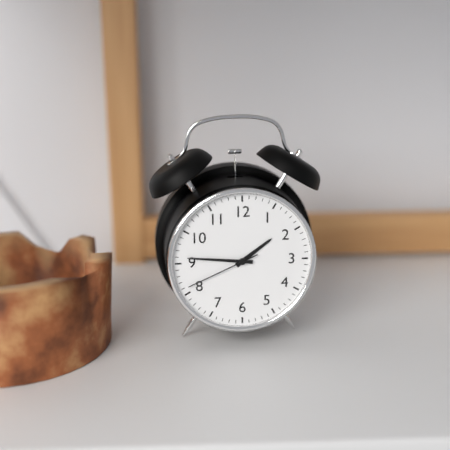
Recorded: 1.46.41
